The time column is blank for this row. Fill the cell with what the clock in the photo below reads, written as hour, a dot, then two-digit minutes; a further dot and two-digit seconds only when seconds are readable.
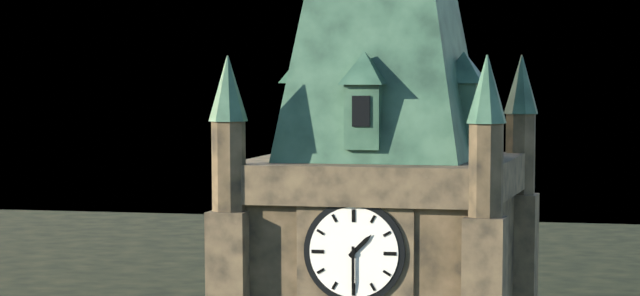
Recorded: 1.30
